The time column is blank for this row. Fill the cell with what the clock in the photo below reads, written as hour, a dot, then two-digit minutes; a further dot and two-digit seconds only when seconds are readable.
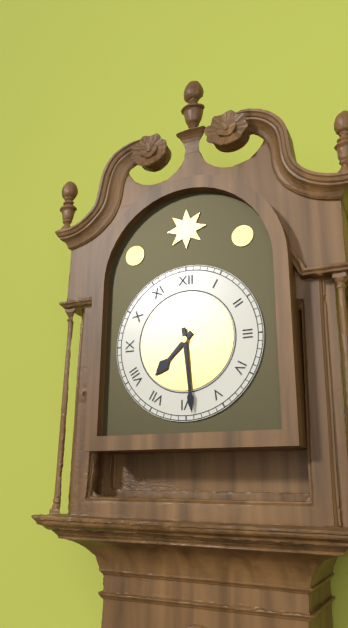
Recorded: 7.29
